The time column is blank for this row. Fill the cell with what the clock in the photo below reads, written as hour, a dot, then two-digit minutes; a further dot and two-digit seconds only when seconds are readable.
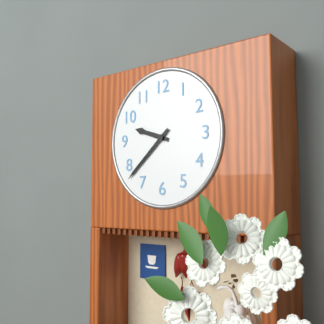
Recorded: 9.38
